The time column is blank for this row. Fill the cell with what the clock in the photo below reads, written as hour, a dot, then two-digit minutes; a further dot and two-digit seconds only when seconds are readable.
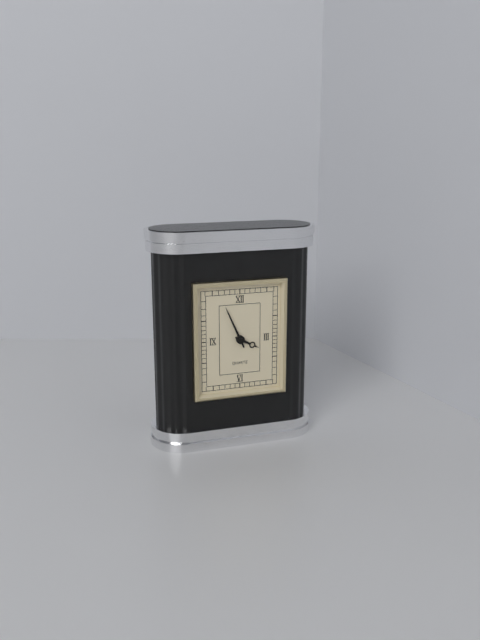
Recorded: 3.56
